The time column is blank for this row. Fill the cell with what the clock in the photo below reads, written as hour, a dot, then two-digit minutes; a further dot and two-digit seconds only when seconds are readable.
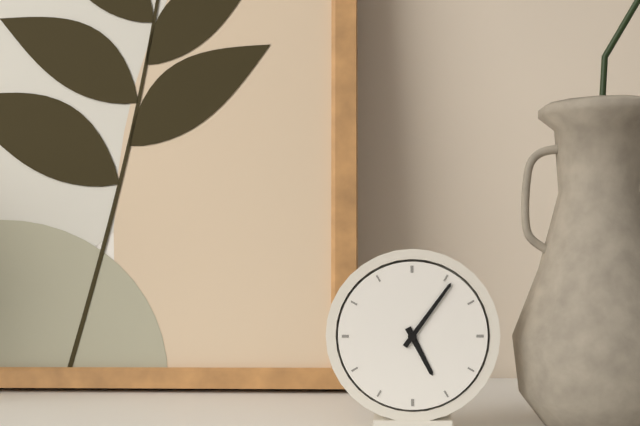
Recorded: 5.06
